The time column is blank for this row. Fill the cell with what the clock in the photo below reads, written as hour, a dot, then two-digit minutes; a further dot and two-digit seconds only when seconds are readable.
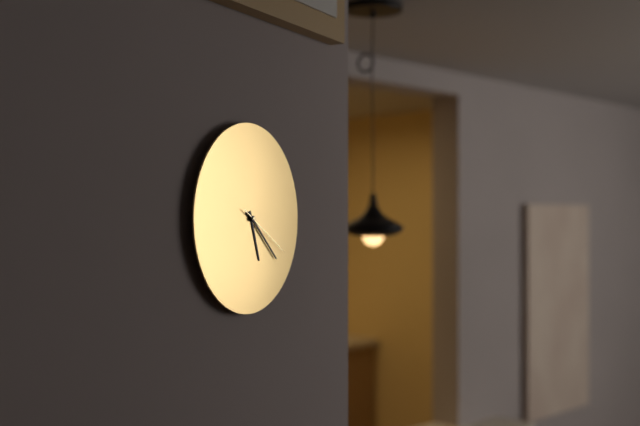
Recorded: 5.22.20
